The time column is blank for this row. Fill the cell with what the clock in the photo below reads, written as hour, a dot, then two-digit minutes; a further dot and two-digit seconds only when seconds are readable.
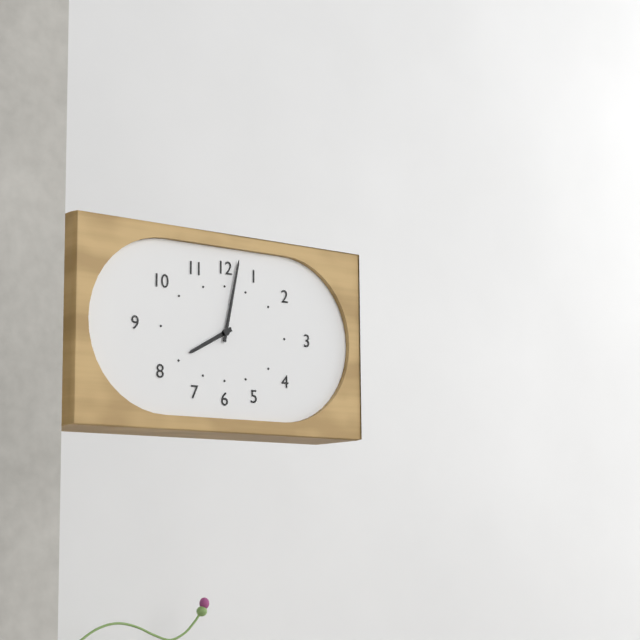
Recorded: 8.02
